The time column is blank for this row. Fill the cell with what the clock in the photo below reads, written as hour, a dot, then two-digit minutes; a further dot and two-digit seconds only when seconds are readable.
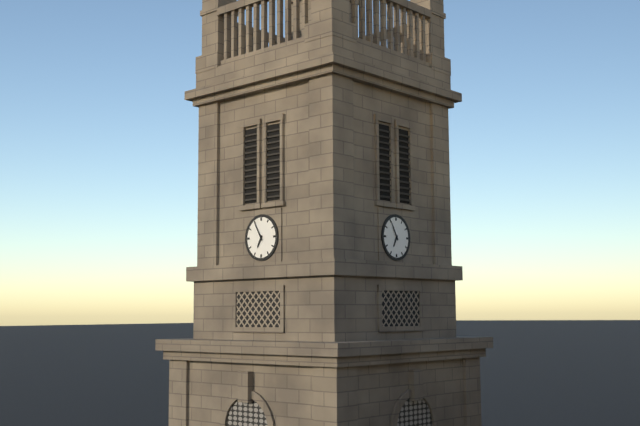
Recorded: 6.55
